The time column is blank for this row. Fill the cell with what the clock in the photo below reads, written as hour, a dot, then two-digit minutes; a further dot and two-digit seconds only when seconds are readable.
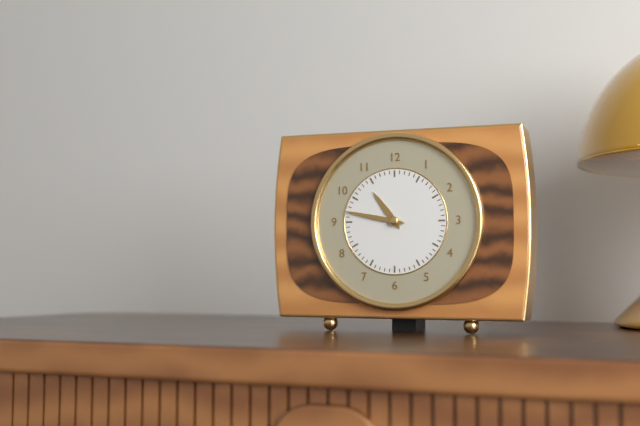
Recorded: 10.47
